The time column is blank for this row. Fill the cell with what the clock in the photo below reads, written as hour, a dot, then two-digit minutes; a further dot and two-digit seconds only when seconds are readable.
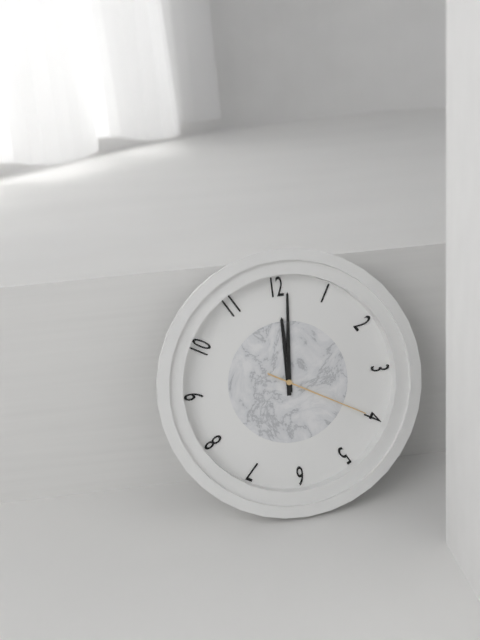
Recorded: 12.01.20
